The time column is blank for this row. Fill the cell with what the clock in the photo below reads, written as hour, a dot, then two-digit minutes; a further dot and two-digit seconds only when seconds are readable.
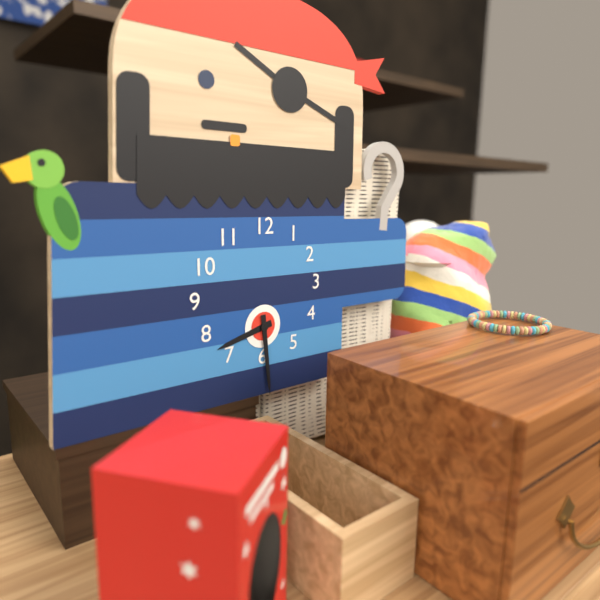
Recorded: 8.29
